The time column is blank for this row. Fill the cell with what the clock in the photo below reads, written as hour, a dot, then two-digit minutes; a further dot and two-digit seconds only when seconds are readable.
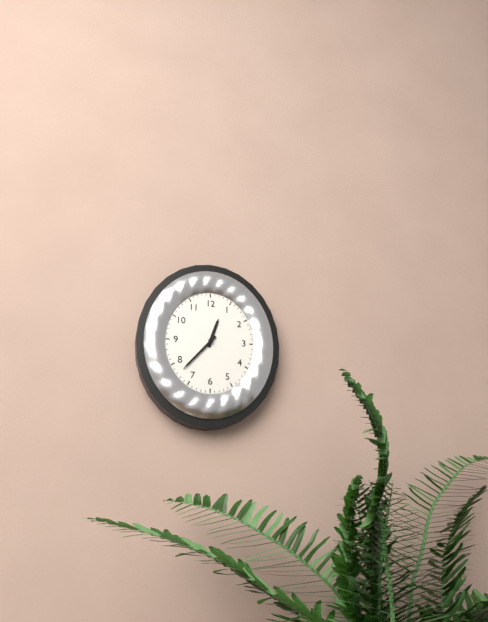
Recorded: 12.37
